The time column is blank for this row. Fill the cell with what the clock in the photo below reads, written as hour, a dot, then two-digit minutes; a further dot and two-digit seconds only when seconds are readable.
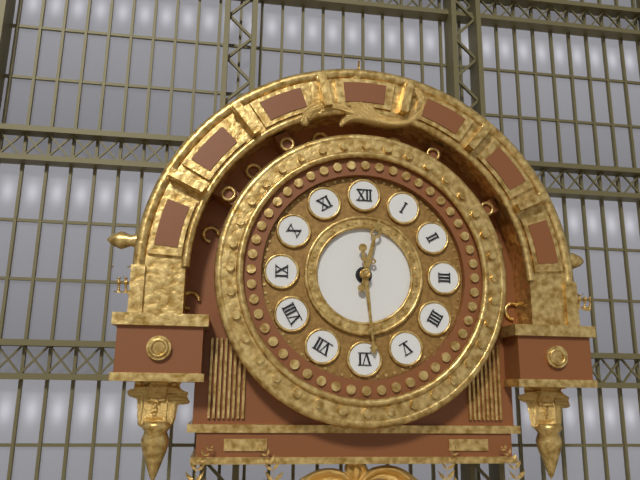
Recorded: 12.29
